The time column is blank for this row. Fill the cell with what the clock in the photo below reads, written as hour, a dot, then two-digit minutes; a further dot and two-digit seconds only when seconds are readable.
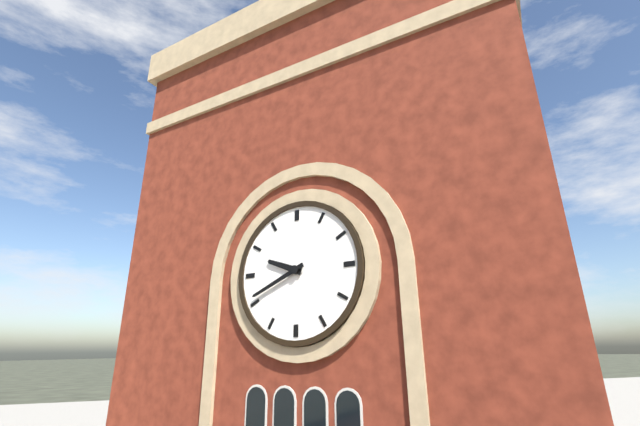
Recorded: 9.41
